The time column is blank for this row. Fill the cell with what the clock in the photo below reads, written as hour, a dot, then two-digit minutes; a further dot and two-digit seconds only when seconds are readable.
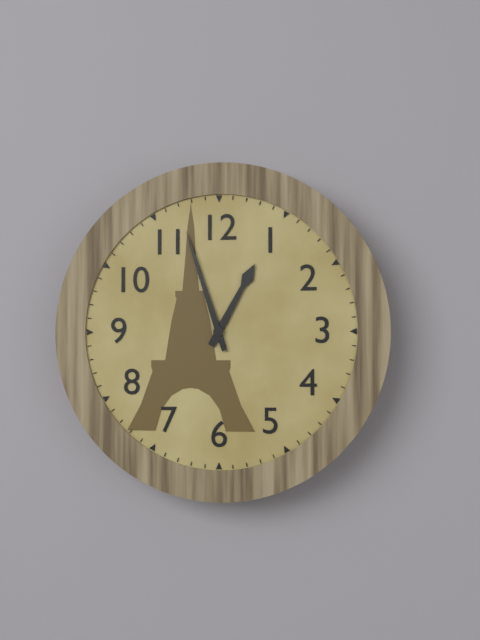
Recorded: 12.57
